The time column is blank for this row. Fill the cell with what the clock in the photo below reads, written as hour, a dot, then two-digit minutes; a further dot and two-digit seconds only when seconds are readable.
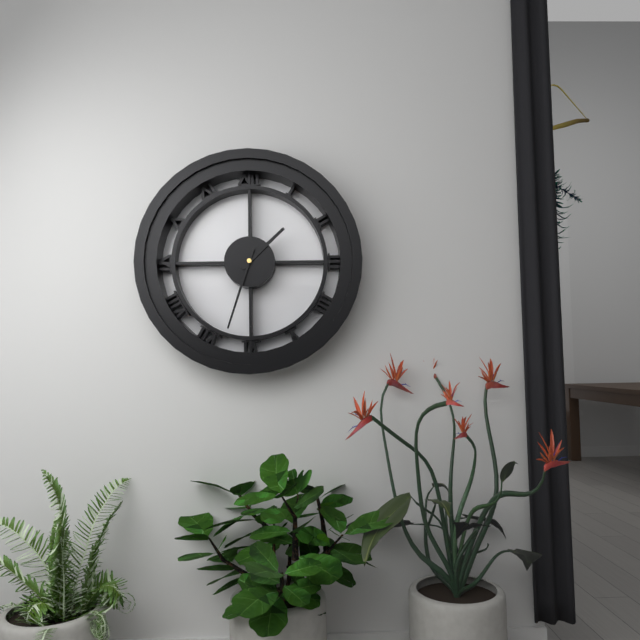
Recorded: 1.33
